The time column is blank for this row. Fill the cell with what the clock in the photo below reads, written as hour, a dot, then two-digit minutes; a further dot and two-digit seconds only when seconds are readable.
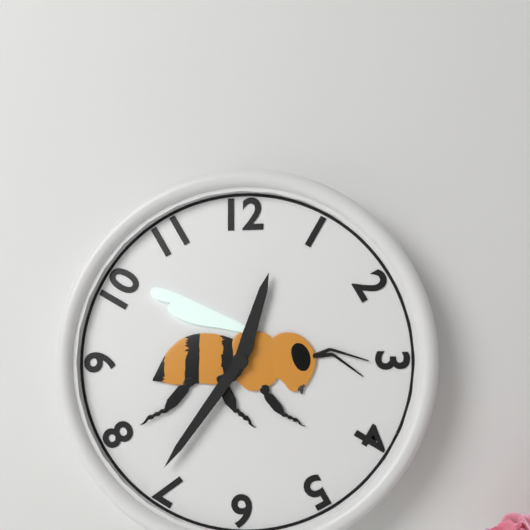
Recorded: 12.36
